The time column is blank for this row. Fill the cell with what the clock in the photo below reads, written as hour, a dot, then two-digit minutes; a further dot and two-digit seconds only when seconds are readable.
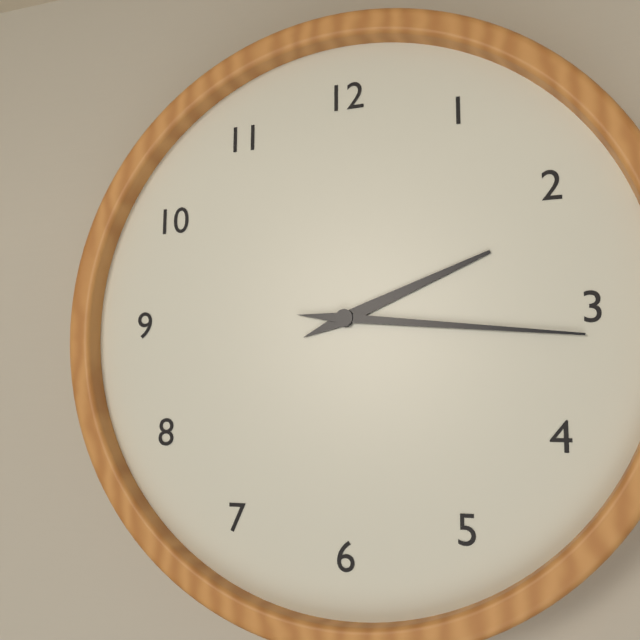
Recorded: 2.16
